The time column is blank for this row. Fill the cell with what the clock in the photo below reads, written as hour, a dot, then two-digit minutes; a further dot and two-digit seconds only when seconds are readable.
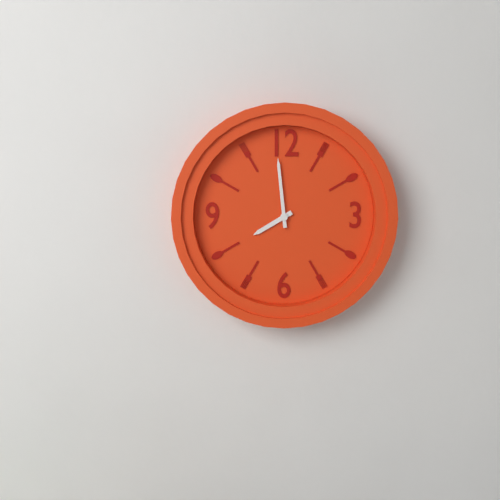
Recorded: 7.59
